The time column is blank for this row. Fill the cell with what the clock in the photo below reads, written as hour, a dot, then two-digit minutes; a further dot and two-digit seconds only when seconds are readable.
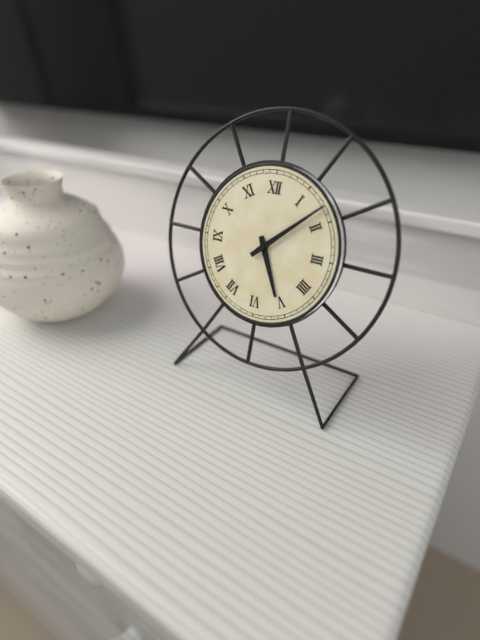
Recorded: 5.08
